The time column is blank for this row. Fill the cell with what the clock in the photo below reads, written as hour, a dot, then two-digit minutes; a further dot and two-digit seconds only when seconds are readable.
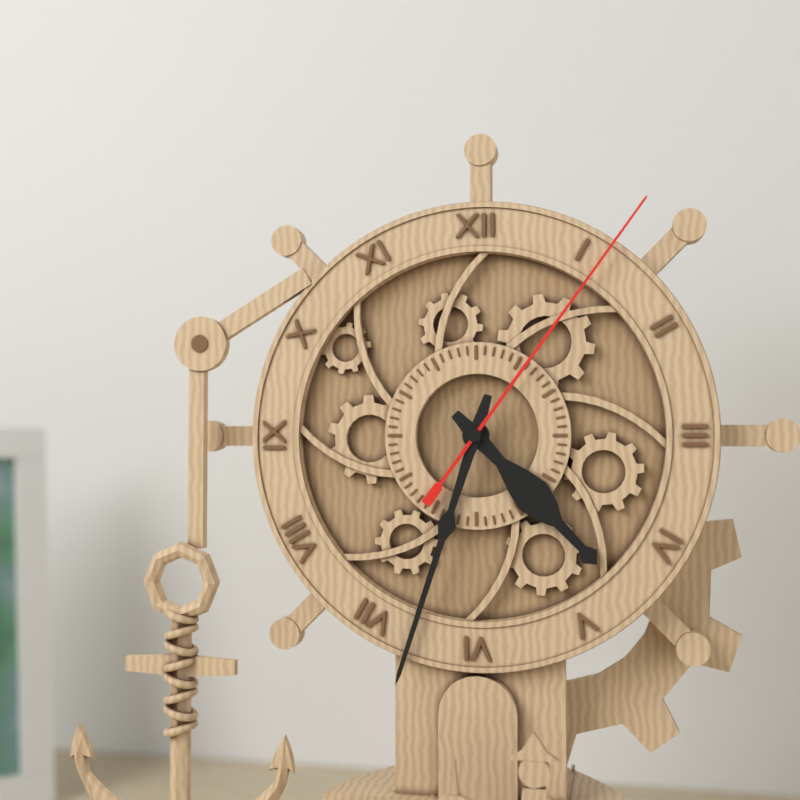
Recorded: 4.33.06
